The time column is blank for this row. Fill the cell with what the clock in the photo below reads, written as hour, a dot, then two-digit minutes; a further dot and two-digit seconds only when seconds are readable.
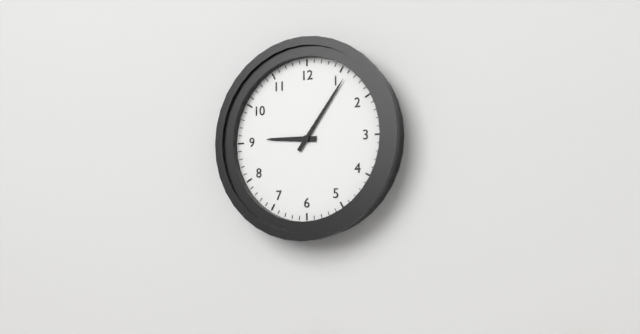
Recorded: 9.06
